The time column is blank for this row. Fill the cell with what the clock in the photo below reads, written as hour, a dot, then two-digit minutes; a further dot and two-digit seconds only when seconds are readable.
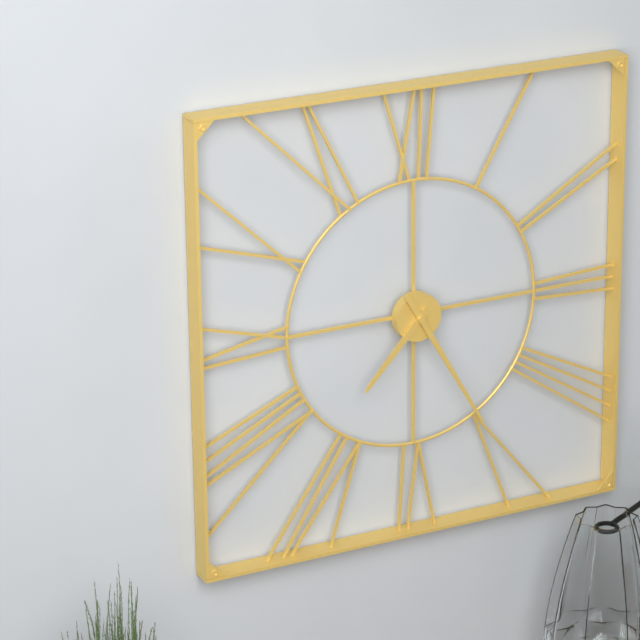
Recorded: 7.25
